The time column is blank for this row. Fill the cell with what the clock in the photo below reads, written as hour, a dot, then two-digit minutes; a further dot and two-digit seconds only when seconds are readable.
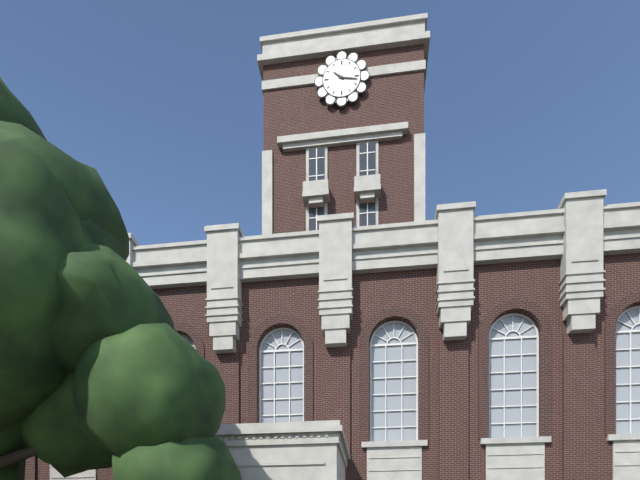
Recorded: 10.17
